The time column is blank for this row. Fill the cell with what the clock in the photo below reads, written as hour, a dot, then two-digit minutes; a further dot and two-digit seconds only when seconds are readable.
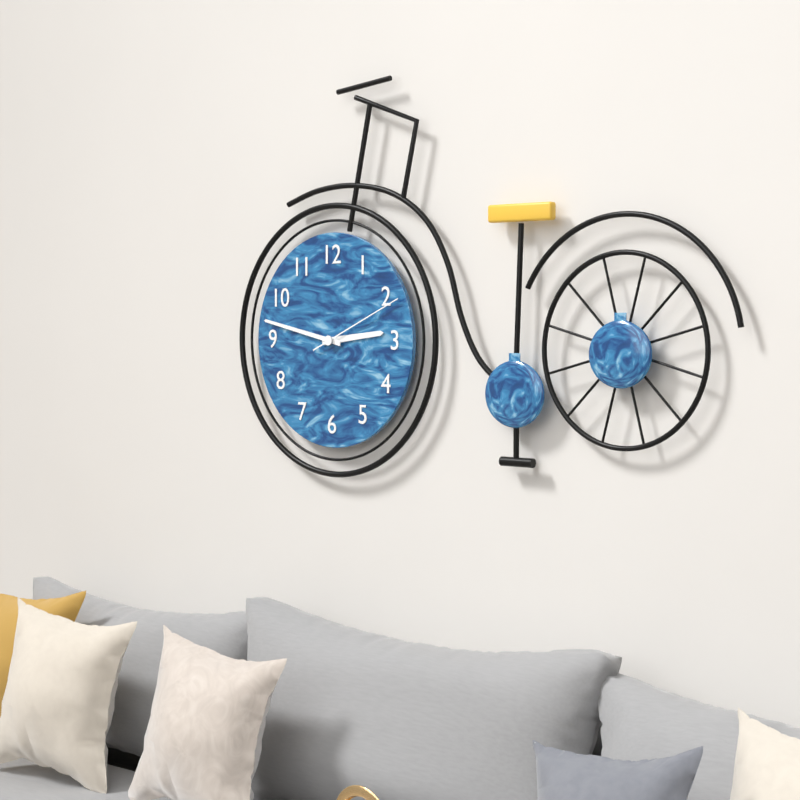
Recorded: 2.47.11
